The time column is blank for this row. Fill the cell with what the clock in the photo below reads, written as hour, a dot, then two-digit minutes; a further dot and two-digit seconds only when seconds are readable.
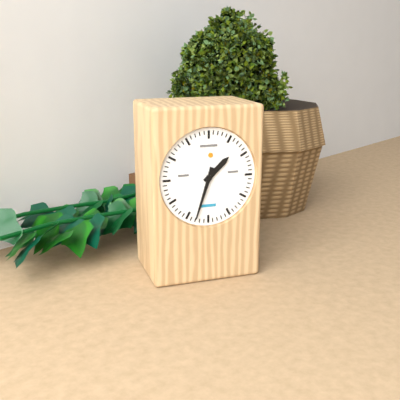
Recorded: 1.33
